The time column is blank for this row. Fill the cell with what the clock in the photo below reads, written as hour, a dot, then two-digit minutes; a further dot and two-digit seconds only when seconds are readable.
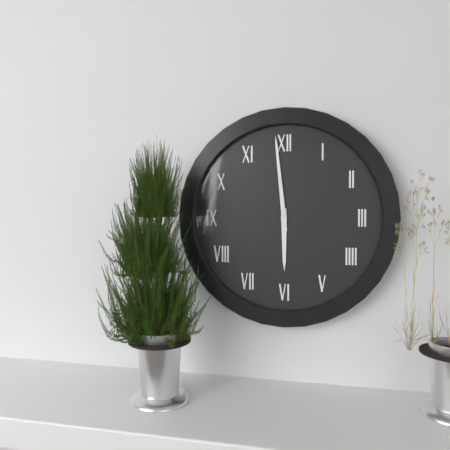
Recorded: 5.59
